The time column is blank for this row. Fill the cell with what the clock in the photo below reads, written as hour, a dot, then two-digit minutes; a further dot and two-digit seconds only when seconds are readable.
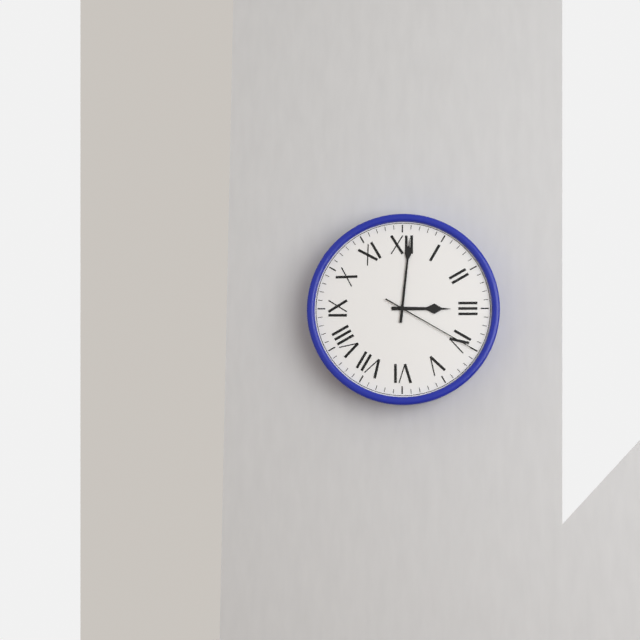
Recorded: 3.01.20
